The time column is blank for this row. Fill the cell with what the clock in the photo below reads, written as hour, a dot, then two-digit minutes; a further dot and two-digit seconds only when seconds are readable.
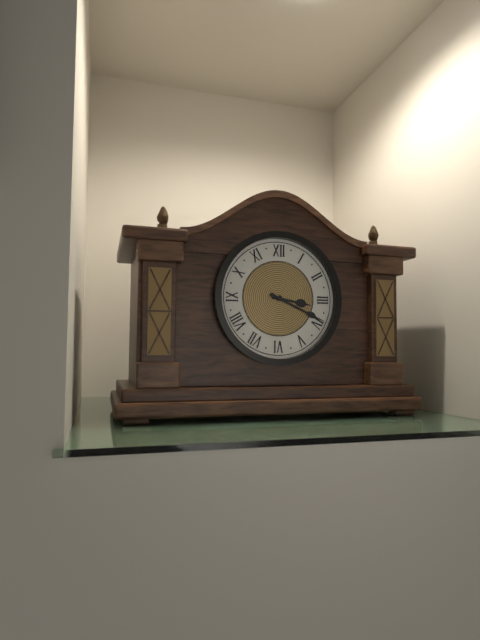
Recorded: 3.19
